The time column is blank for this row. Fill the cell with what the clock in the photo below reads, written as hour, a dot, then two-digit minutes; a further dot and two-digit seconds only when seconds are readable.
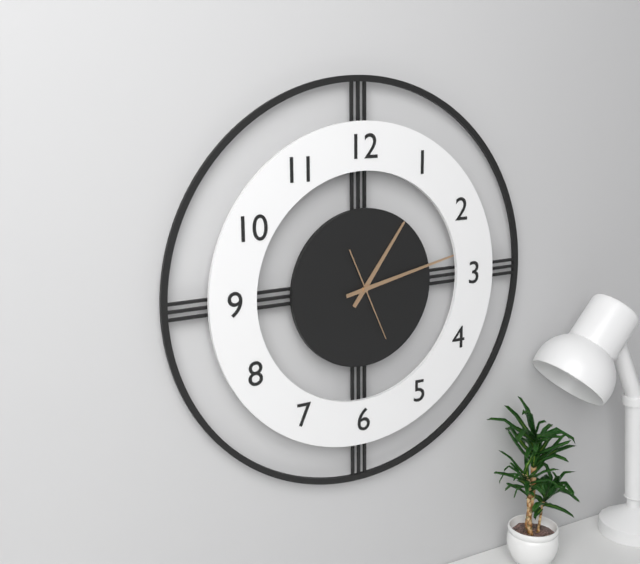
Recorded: 1.13.26
